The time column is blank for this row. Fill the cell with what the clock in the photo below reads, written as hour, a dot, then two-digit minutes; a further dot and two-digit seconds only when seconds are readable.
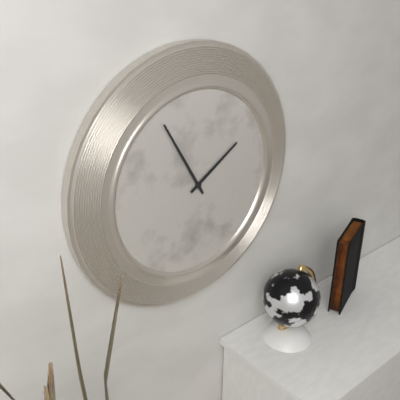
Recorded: 1.55
